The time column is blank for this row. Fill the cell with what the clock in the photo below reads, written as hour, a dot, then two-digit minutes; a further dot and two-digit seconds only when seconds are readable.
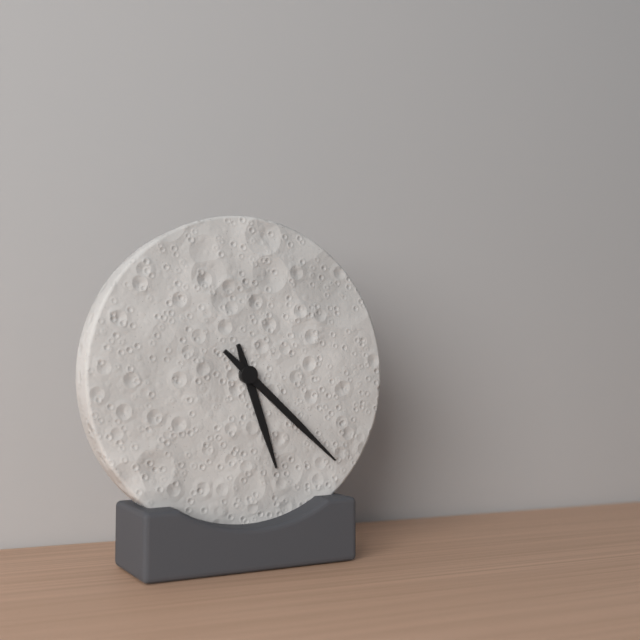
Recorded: 5.22
